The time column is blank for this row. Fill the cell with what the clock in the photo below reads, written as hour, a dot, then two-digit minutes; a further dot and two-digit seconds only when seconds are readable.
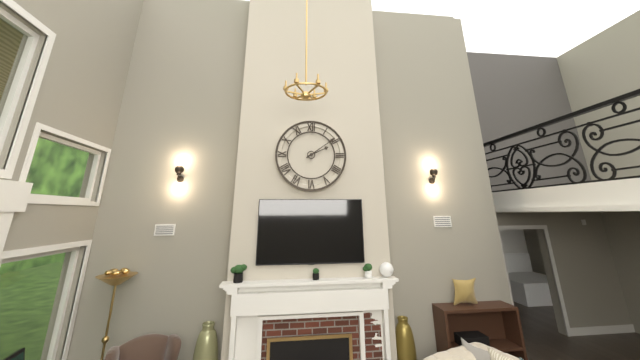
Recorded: 2.09
